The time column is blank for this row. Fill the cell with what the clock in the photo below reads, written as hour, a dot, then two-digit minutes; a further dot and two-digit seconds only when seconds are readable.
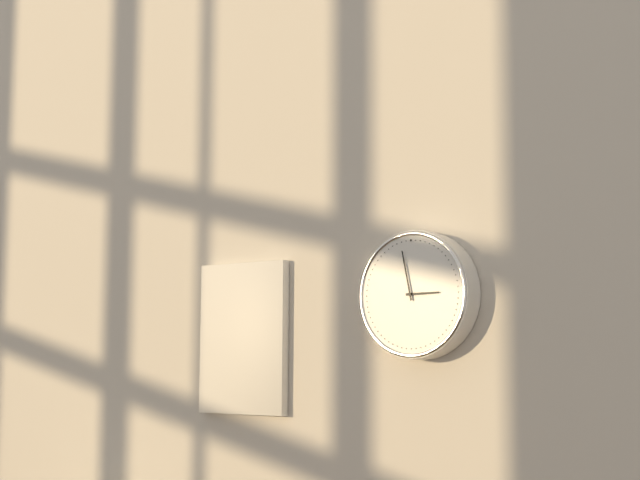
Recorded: 2.58
